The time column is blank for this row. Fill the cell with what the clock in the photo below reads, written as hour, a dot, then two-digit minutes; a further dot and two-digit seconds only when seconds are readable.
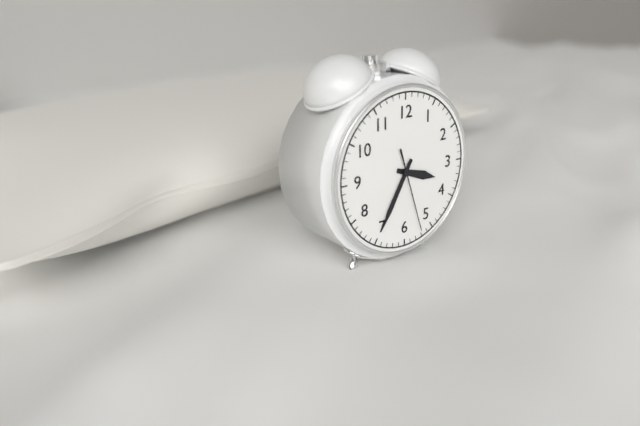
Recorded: 3.35.27
